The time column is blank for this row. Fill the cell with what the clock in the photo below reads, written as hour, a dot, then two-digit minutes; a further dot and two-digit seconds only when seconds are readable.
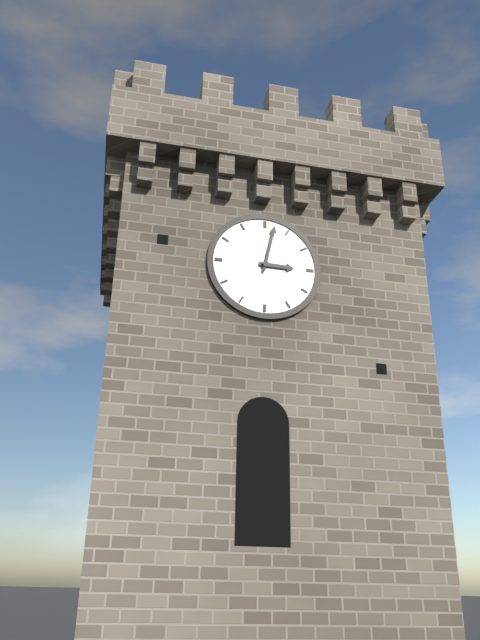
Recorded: 3.02
